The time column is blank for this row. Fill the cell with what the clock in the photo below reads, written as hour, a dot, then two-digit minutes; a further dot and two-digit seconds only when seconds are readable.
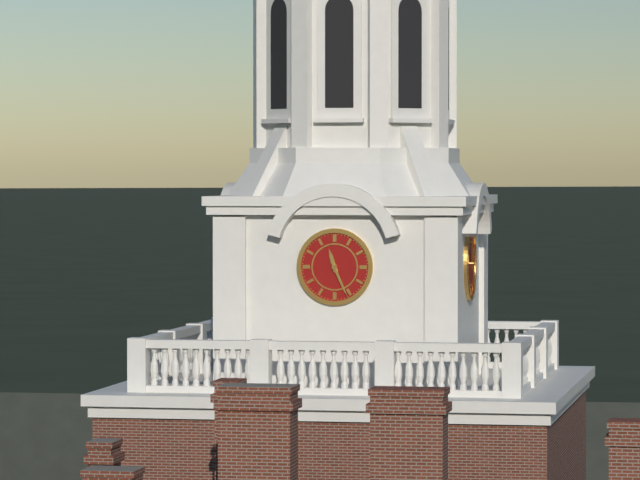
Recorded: 11.26
